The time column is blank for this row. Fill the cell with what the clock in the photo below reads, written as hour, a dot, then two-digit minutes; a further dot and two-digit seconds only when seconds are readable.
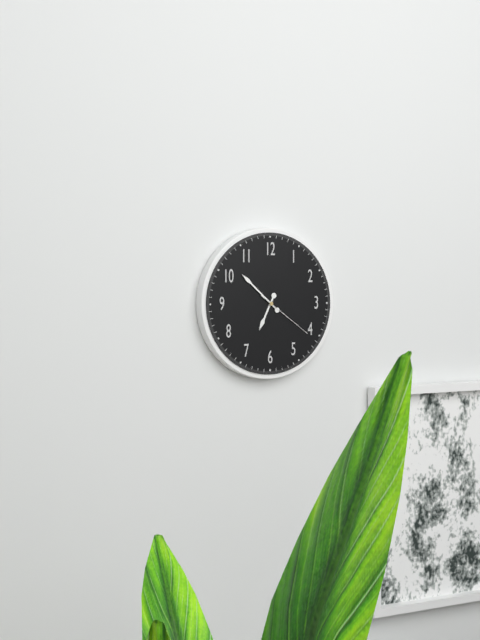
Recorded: 6.52.21
